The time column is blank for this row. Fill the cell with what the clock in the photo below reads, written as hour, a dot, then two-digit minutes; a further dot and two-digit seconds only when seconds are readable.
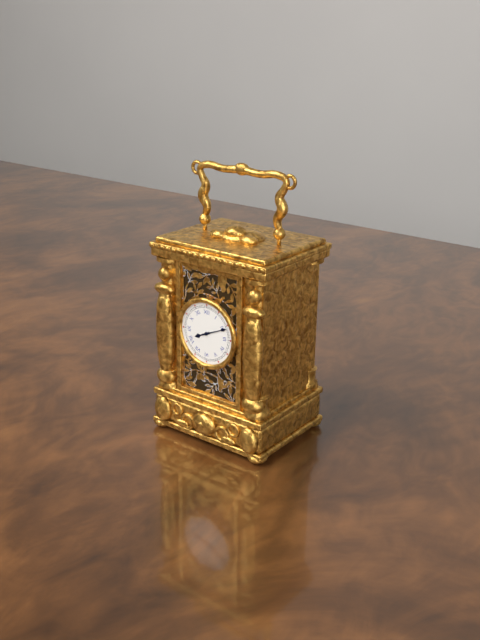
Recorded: 8.11
